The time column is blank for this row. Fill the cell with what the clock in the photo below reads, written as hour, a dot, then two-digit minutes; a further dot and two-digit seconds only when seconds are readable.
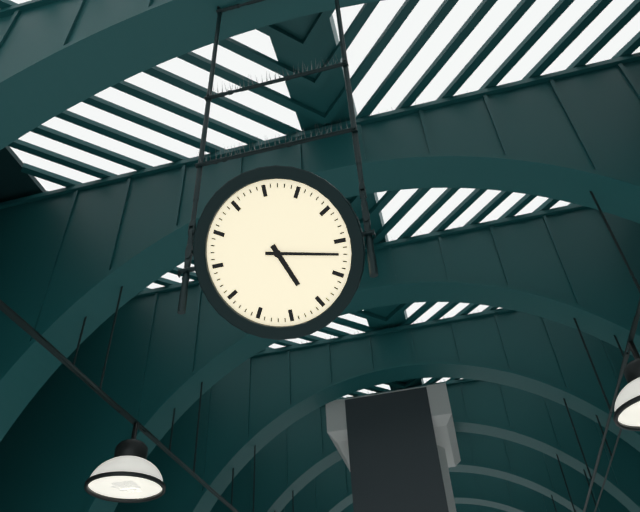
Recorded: 5.17
